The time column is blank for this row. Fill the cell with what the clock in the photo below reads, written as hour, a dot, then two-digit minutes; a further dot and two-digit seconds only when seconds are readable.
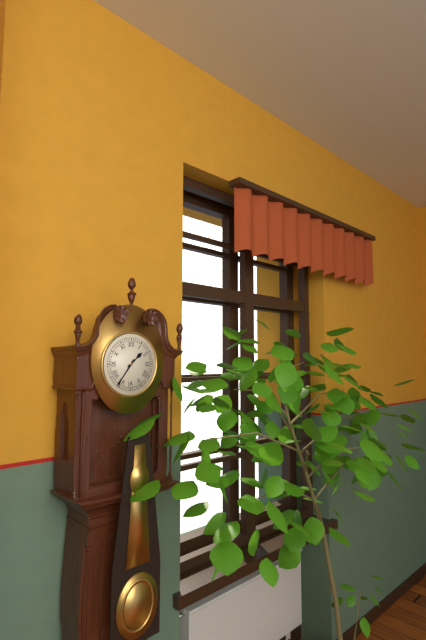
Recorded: 1.36
